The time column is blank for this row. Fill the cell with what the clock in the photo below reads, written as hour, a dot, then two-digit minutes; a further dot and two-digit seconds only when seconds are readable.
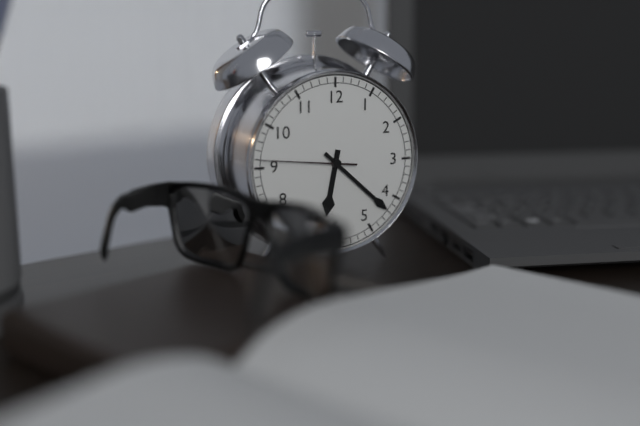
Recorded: 6.22.46
